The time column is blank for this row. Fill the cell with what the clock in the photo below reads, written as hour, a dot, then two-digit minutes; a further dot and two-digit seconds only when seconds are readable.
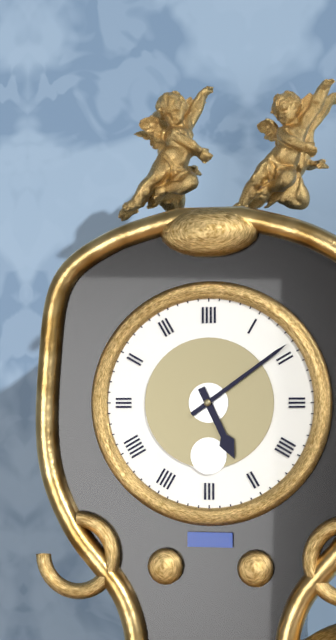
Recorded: 5.09
